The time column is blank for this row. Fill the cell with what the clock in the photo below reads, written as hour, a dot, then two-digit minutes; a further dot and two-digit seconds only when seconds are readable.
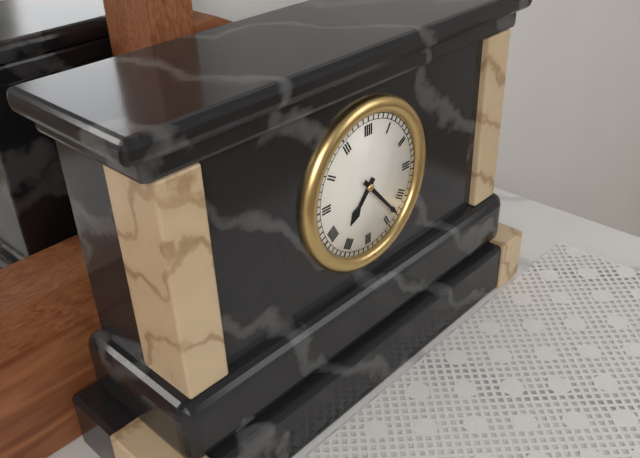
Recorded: 7.23
